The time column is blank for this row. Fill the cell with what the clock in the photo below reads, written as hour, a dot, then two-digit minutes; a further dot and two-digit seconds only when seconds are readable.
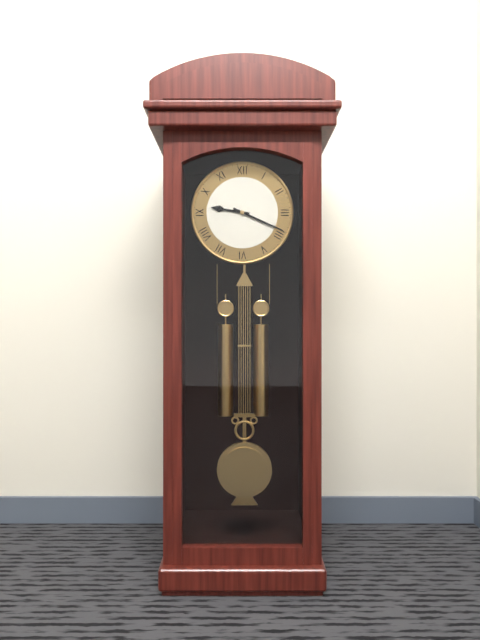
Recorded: 9.19
